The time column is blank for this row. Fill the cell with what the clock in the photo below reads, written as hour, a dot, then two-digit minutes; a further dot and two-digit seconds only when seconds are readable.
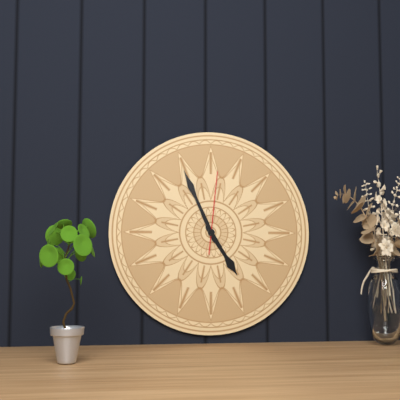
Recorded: 4.56.01
